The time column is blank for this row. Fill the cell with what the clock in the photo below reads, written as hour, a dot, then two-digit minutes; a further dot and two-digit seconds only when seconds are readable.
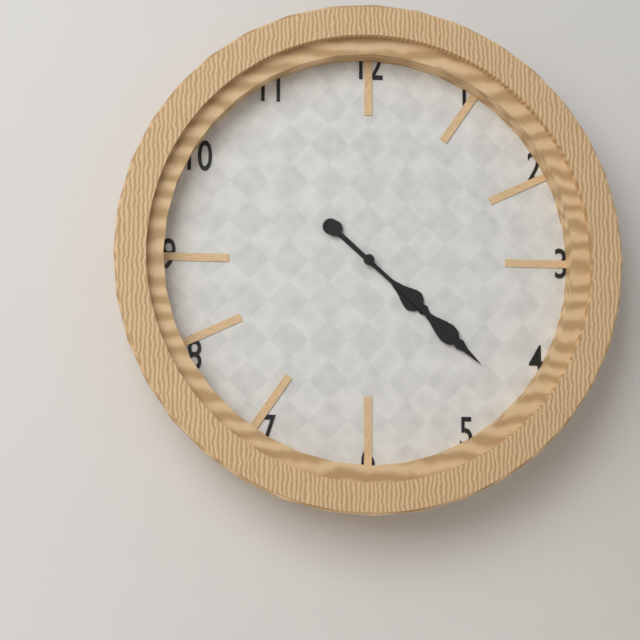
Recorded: 4.22
